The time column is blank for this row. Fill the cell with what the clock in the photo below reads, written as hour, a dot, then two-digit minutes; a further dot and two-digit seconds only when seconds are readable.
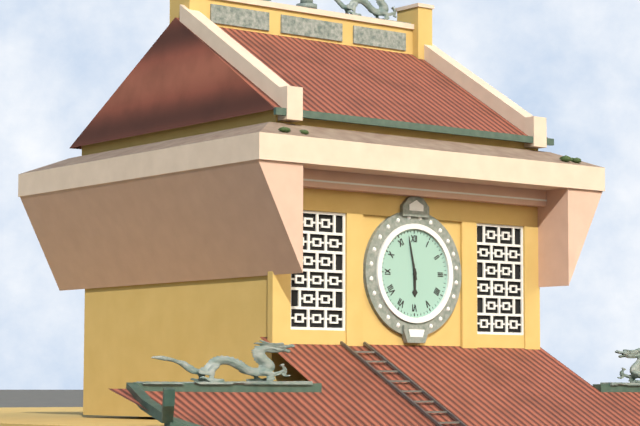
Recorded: 5.58
